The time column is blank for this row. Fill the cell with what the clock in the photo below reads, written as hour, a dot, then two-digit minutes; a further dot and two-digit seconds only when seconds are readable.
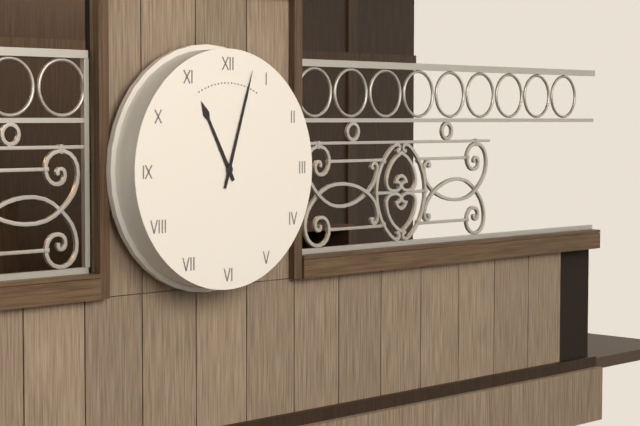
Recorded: 11.03
